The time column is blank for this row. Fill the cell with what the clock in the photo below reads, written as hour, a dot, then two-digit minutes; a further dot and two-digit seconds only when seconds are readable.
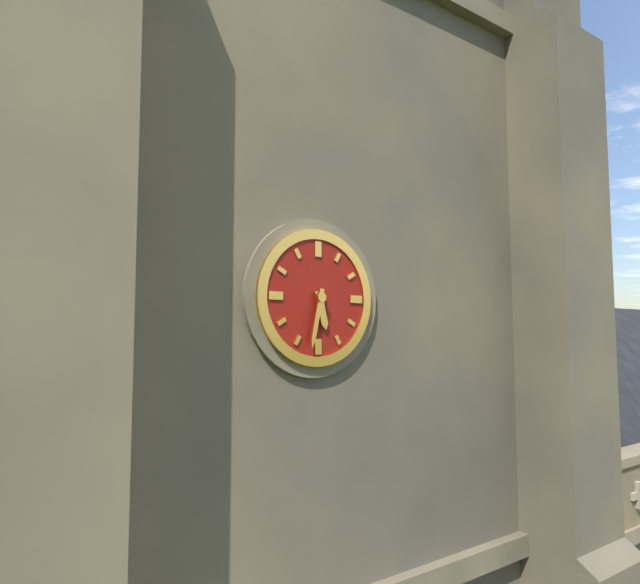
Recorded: 5.32
